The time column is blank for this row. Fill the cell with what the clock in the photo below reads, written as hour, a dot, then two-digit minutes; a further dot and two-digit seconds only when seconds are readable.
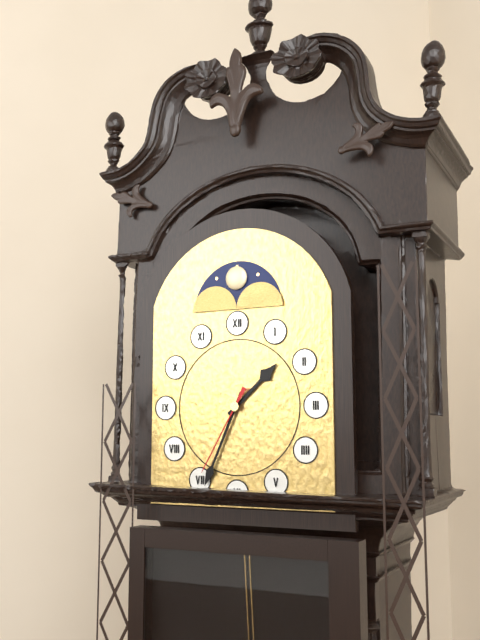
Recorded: 1.34.35
